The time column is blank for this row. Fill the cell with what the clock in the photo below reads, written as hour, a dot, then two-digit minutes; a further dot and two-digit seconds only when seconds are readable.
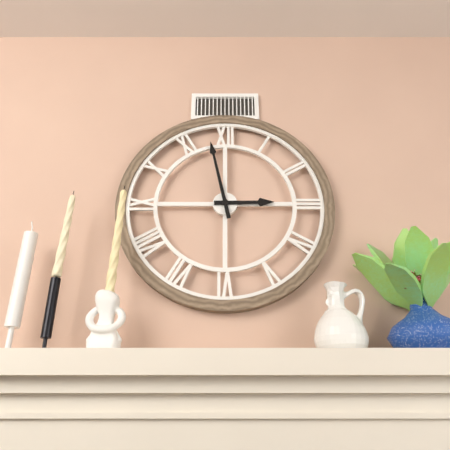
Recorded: 2.58
